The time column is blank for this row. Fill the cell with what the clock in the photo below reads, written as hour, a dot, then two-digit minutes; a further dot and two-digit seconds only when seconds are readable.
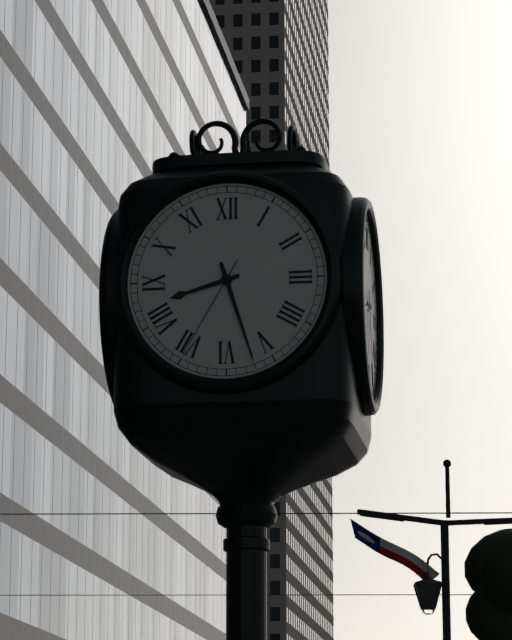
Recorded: 8.27.35
